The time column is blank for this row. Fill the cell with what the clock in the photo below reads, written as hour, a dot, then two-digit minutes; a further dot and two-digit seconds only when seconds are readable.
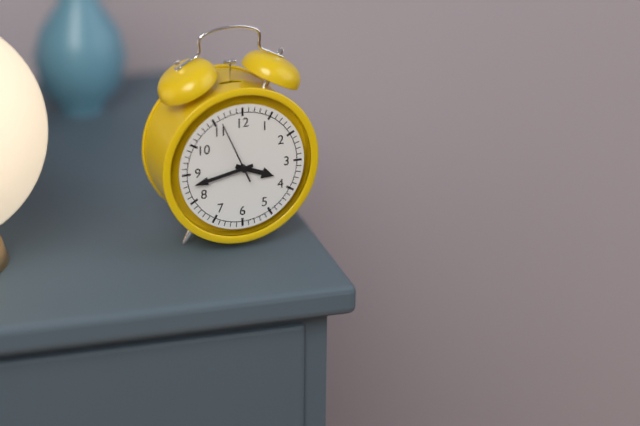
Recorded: 3.43.56
